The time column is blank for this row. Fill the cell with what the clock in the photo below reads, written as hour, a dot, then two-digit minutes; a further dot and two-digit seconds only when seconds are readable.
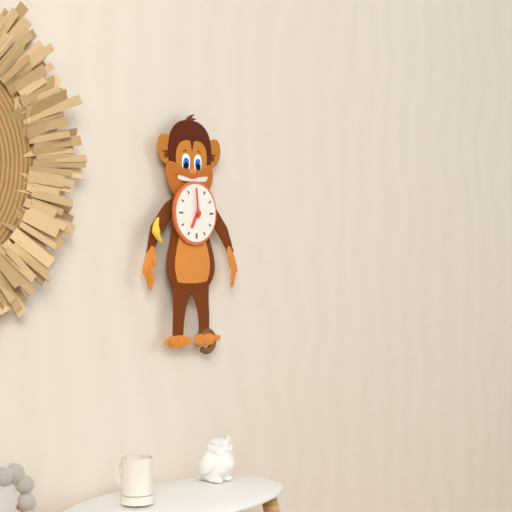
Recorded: 6.59
